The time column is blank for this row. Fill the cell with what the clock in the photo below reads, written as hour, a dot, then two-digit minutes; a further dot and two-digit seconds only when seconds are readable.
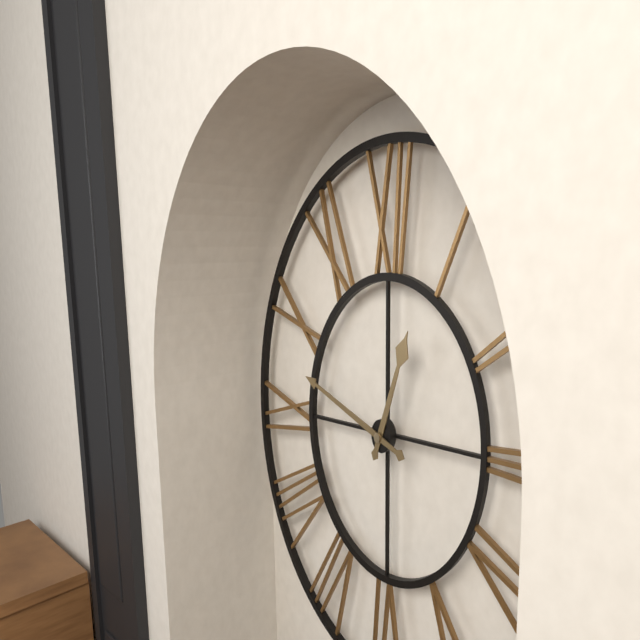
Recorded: 12.48
